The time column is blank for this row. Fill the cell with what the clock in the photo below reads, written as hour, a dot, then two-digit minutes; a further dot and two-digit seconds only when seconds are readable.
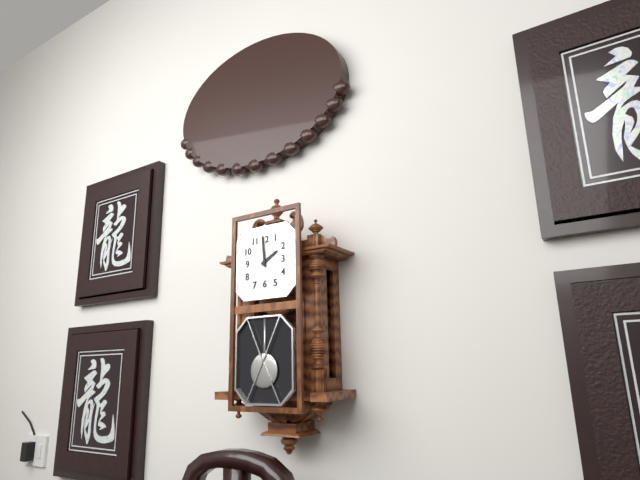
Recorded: 1.59
